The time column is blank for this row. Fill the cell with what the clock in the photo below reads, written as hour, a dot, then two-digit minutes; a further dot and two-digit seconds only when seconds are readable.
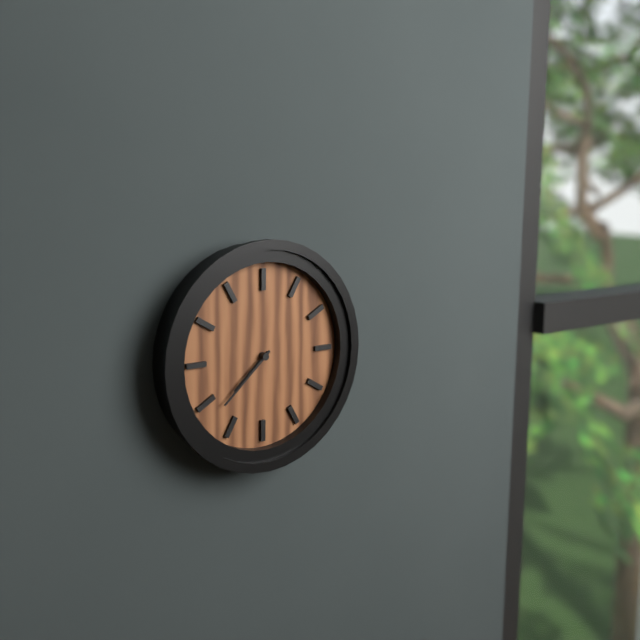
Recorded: 7.38
